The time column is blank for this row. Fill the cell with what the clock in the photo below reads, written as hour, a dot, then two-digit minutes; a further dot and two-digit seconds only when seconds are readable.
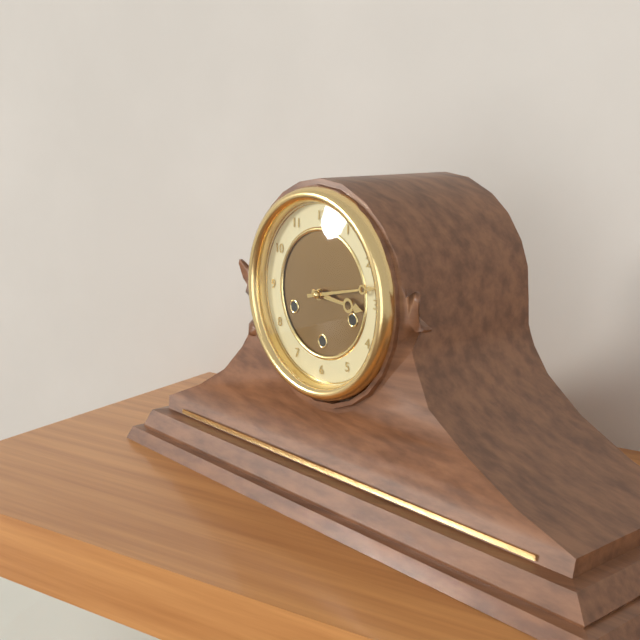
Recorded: 3.13
